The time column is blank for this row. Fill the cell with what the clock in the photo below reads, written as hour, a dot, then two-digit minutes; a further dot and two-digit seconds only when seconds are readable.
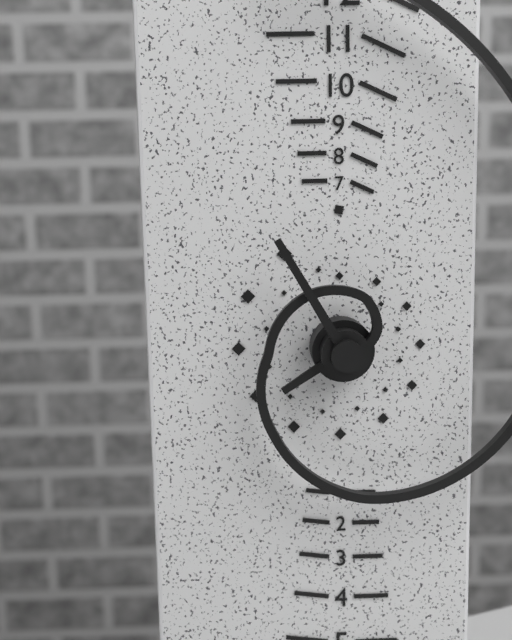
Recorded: 7.55
